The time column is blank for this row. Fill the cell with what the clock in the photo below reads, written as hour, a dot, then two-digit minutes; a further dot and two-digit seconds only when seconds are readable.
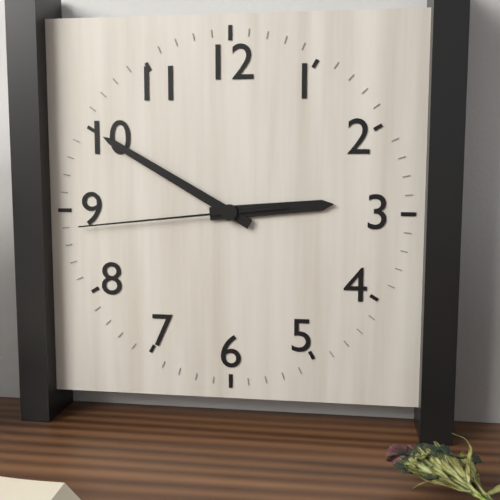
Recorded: 2.50.44
